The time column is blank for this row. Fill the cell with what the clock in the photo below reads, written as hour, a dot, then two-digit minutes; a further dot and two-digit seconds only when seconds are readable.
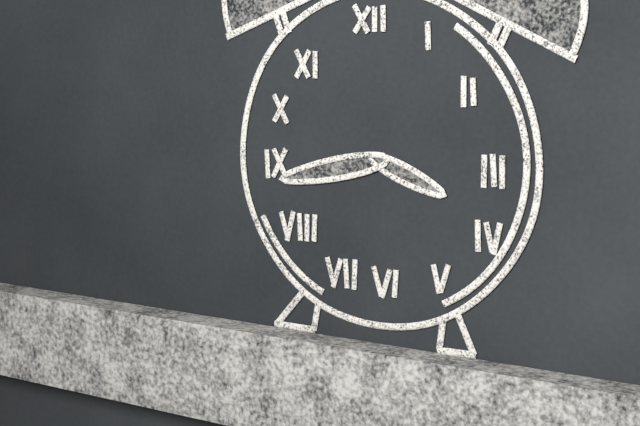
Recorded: 3.43
